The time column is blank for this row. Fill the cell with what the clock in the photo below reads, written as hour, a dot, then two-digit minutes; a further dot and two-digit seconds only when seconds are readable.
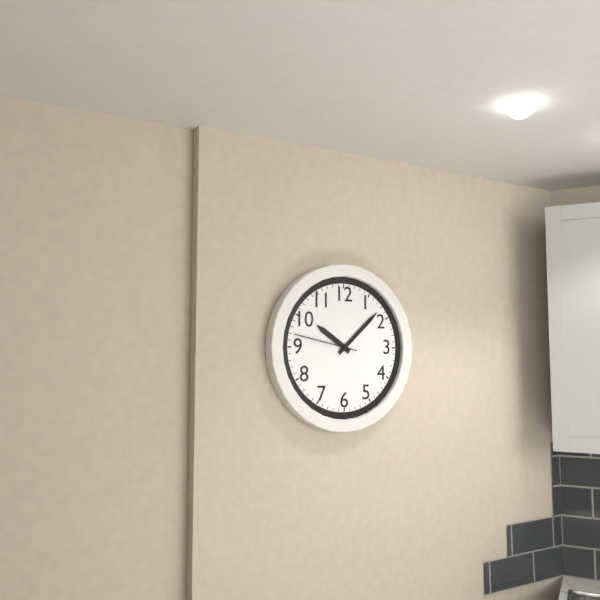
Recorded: 10.08.47
